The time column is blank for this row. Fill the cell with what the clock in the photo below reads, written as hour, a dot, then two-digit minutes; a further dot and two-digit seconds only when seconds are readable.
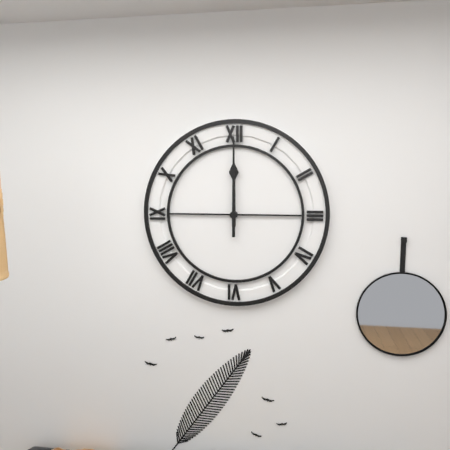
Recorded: 12.00
